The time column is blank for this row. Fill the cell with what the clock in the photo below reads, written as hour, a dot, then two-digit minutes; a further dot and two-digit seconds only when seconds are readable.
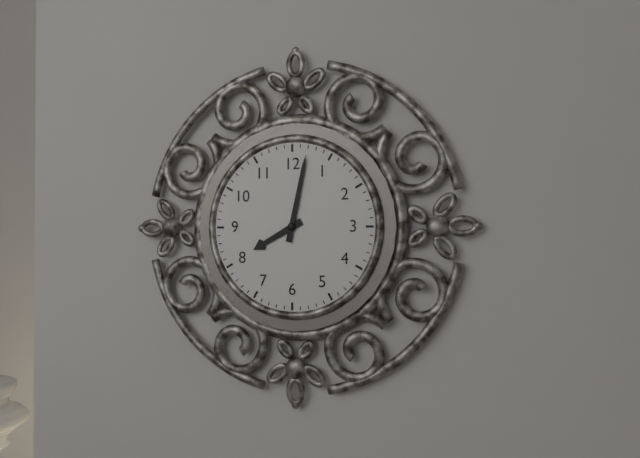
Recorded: 8.02
